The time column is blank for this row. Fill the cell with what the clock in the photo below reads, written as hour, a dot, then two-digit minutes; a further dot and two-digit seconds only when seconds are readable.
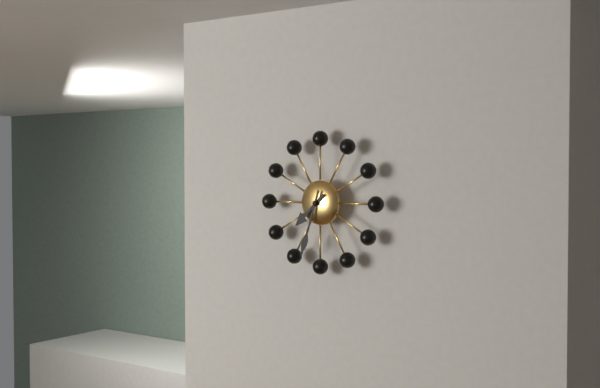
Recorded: 7.33
